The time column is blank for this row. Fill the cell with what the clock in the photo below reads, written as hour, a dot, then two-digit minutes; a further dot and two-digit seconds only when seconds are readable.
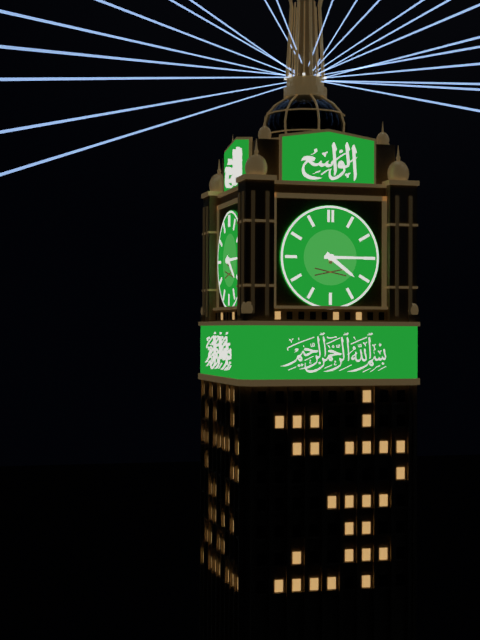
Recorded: 4.15
